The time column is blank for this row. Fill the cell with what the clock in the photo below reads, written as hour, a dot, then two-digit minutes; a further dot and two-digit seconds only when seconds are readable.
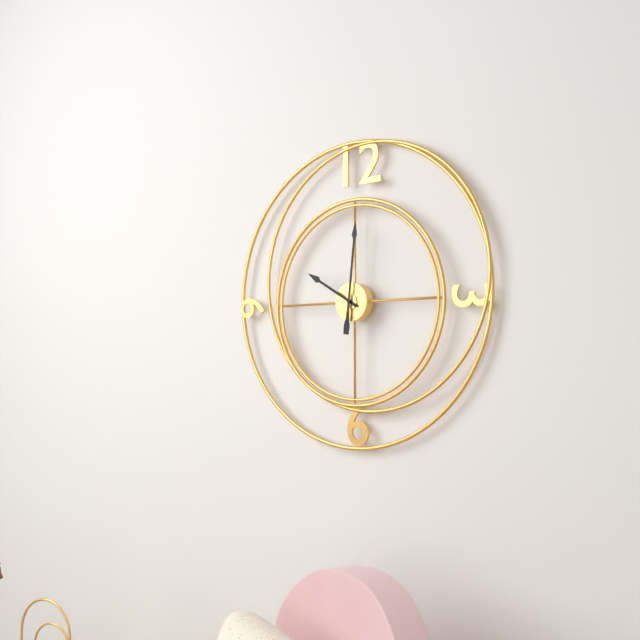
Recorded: 10.01
